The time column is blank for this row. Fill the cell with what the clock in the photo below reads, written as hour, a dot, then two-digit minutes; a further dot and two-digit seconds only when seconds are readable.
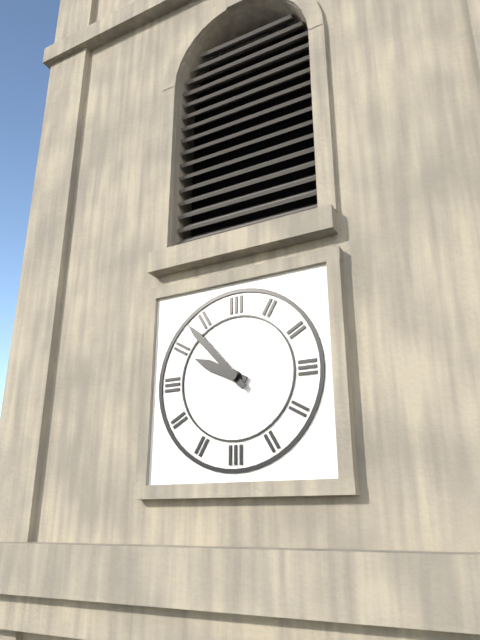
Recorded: 9.53
